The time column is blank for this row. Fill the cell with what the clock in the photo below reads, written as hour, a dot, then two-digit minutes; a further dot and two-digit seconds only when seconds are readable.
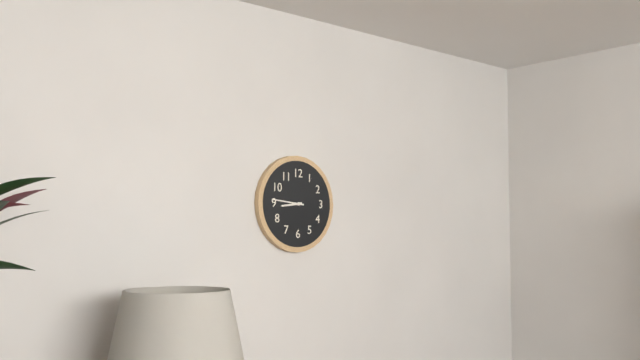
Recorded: 8.46
